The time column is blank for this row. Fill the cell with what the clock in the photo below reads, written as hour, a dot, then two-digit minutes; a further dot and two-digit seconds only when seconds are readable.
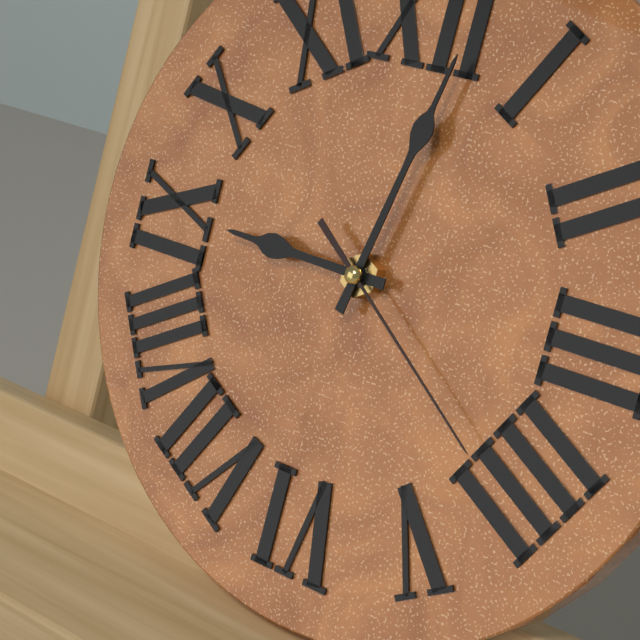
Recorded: 9.02.21
